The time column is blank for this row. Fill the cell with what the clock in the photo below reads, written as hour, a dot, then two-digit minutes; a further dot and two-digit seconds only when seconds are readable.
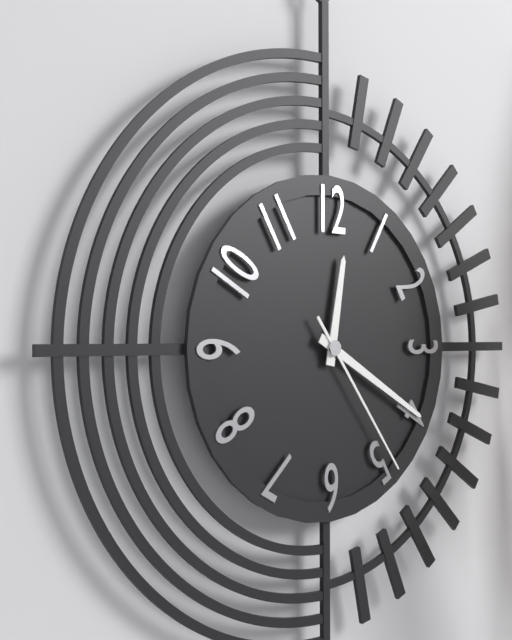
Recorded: 12.20.24
